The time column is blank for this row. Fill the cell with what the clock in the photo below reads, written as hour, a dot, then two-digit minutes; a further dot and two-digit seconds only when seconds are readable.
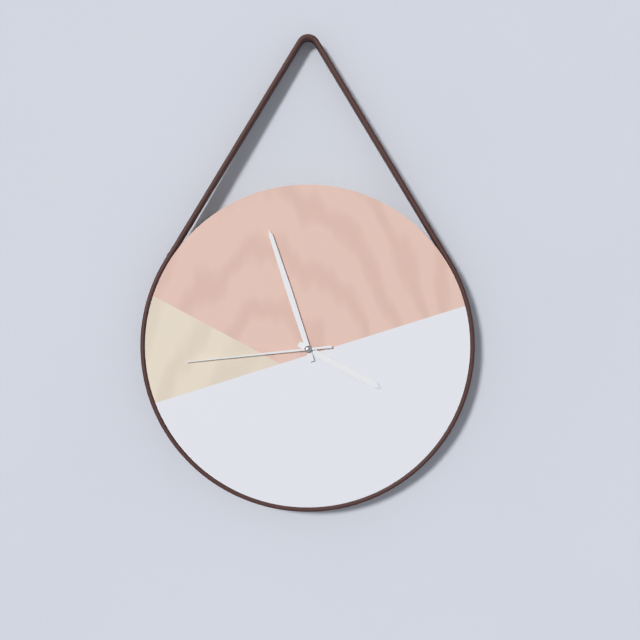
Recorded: 3.57.44
